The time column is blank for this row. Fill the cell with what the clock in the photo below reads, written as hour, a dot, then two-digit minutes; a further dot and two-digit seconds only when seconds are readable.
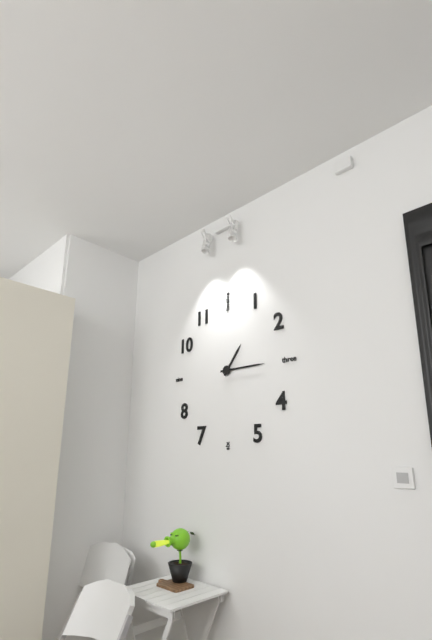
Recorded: 1.15
